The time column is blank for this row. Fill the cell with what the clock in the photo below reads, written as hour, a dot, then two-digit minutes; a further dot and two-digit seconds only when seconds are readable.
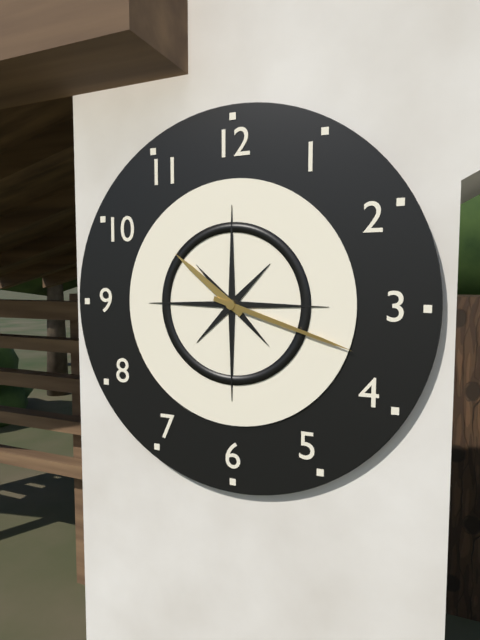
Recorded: 10.18
